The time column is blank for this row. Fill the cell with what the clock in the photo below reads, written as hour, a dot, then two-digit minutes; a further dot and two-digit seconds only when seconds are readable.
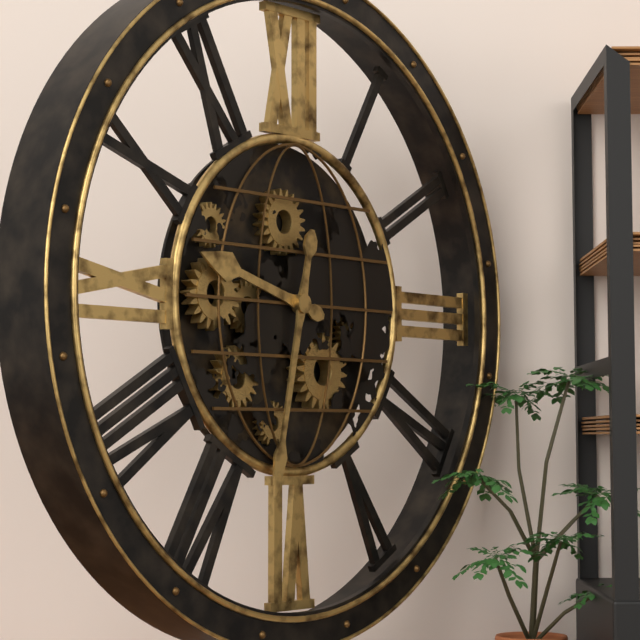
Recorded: 9.32
